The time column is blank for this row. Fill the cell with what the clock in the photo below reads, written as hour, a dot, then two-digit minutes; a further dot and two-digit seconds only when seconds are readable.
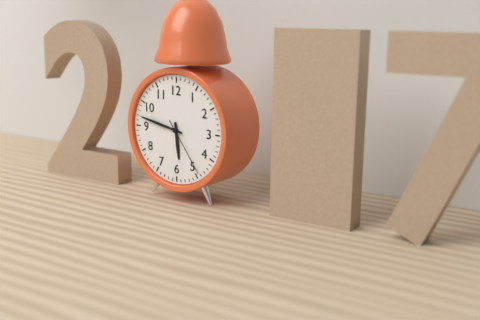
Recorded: 5.47.24
